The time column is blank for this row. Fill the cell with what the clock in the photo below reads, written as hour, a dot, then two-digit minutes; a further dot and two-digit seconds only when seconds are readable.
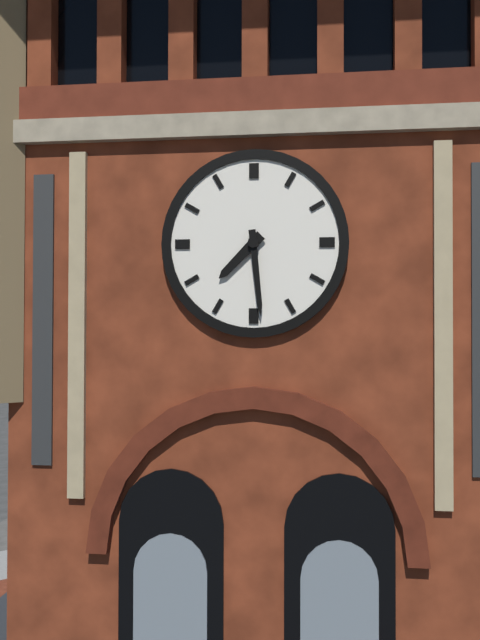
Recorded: 7.29
